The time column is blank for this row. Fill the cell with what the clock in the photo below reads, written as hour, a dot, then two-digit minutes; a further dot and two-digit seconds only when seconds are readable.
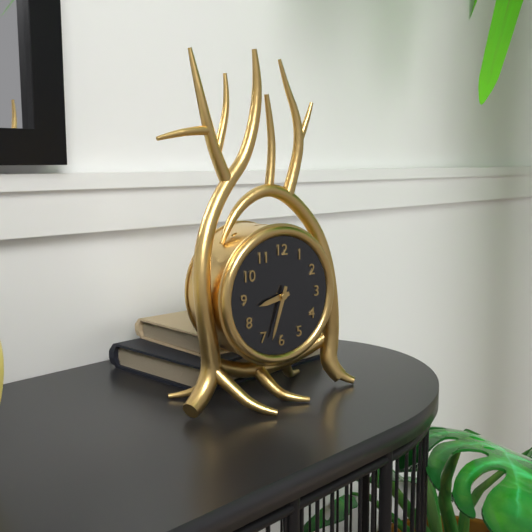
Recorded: 8.33
